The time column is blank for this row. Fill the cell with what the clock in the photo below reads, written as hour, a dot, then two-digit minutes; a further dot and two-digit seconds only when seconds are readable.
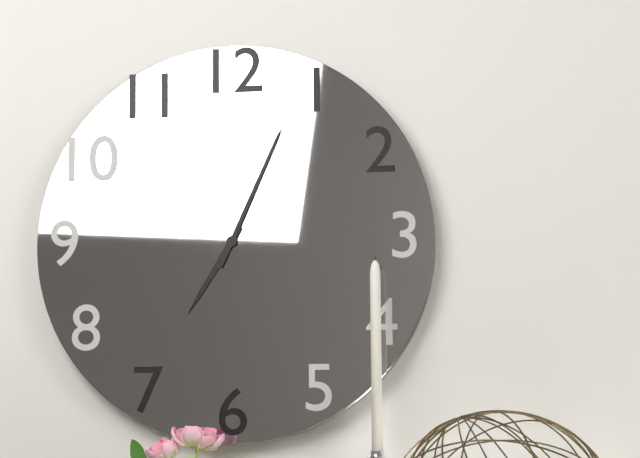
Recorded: 7.04
